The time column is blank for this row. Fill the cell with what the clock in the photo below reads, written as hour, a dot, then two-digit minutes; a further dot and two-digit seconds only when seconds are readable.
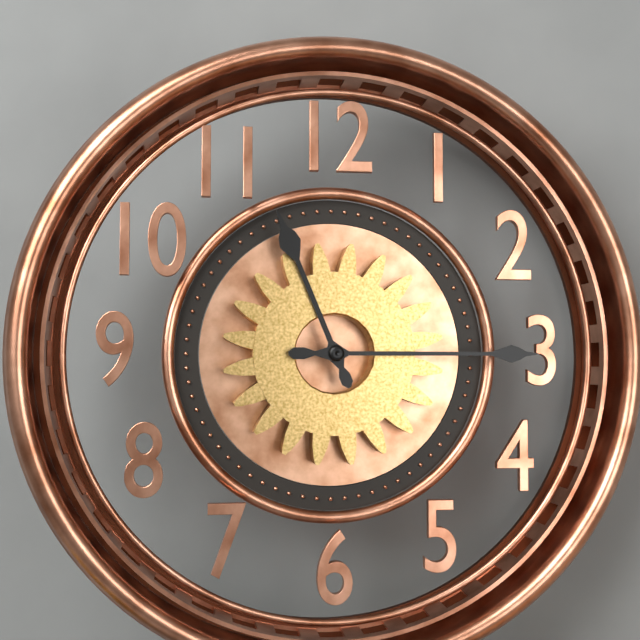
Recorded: 11.15
